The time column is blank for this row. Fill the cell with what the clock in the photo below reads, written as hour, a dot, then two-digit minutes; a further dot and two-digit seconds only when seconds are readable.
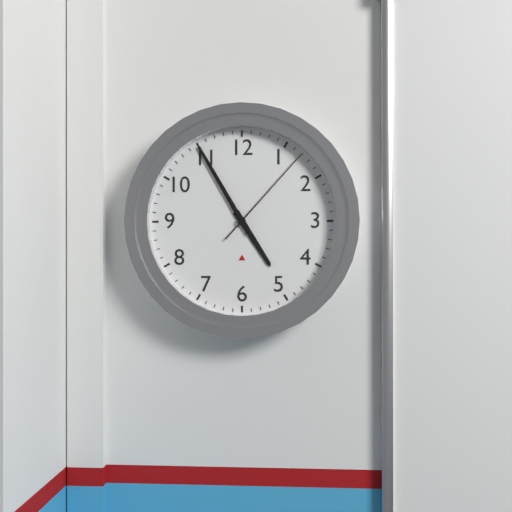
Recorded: 4.55.07
